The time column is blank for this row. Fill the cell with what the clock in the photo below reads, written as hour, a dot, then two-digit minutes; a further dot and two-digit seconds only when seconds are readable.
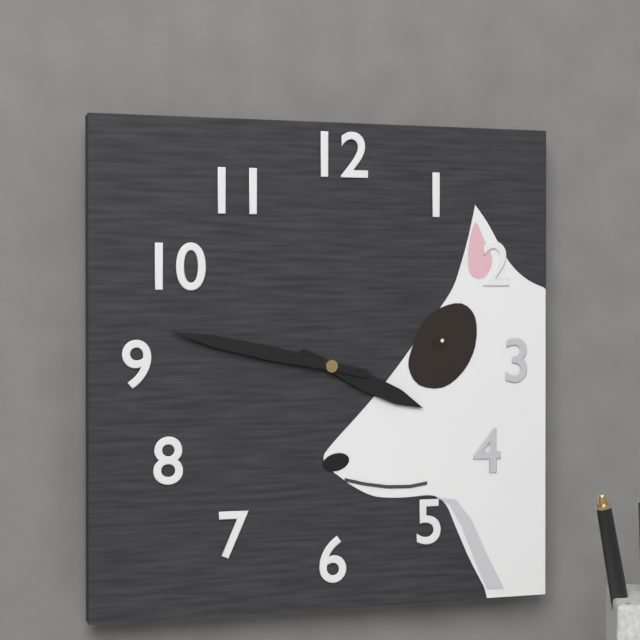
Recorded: 3.47
